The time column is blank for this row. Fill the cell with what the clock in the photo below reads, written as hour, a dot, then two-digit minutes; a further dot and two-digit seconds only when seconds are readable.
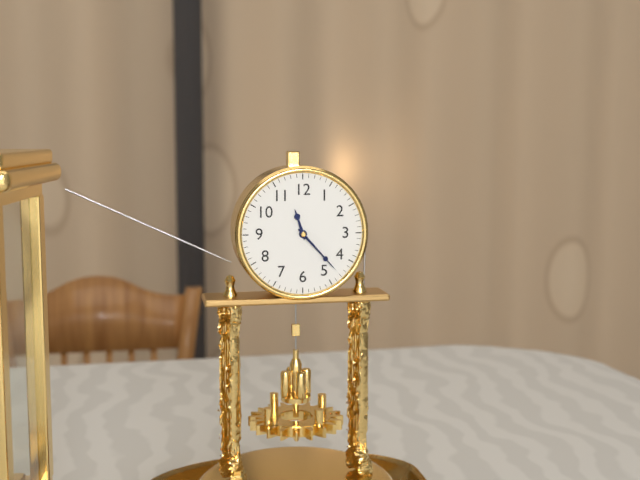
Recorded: 11.23
